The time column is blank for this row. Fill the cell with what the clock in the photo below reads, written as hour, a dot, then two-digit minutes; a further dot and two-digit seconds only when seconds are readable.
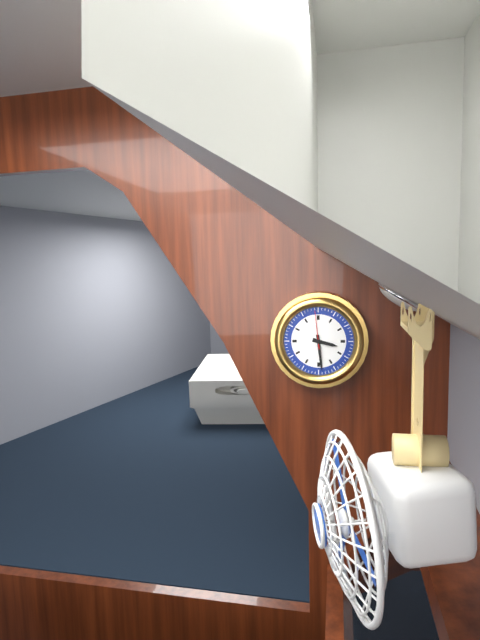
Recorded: 3.29
